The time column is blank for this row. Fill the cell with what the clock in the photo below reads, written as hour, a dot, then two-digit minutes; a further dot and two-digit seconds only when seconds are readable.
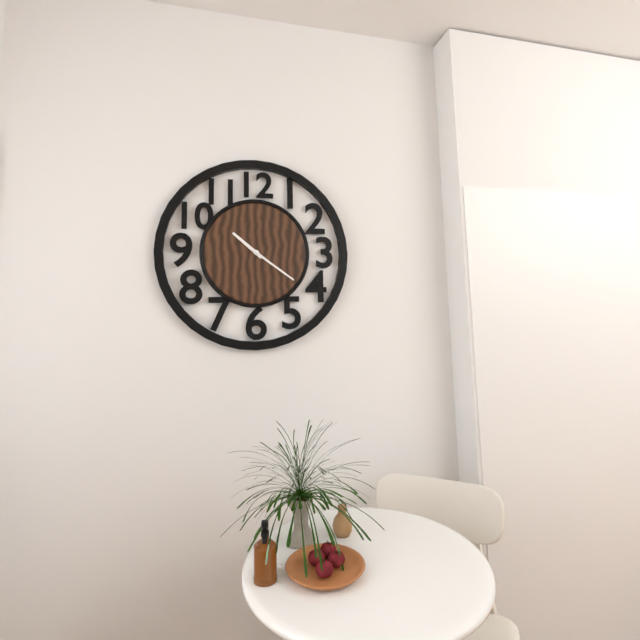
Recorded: 10.21
